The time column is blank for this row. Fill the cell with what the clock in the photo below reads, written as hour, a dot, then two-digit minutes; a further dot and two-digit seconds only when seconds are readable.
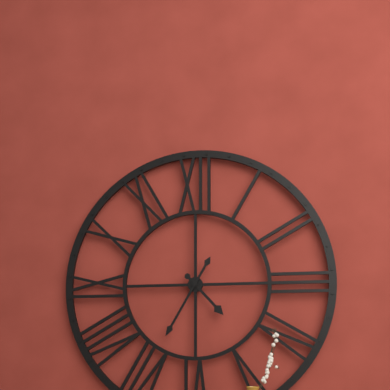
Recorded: 4.35
